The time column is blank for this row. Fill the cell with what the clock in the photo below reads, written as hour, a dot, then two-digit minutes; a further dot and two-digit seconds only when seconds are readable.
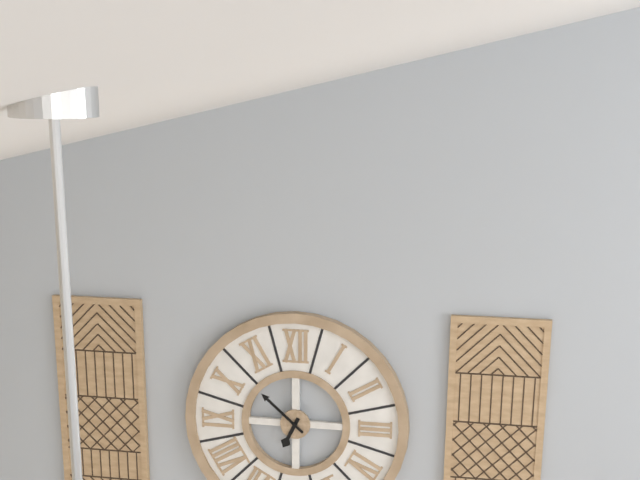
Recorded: 6.52
